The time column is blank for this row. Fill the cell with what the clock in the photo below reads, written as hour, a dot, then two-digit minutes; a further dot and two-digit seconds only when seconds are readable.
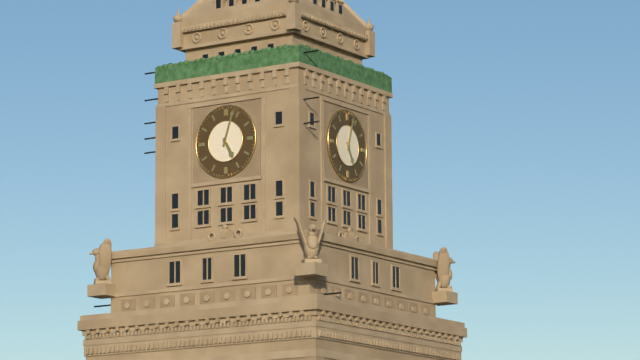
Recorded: 5.03
